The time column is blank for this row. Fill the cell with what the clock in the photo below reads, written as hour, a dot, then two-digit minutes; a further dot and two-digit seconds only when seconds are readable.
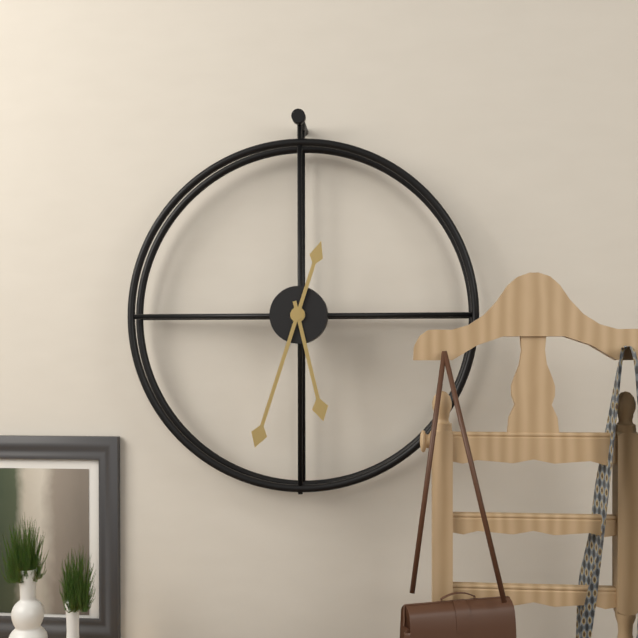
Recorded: 5.33
